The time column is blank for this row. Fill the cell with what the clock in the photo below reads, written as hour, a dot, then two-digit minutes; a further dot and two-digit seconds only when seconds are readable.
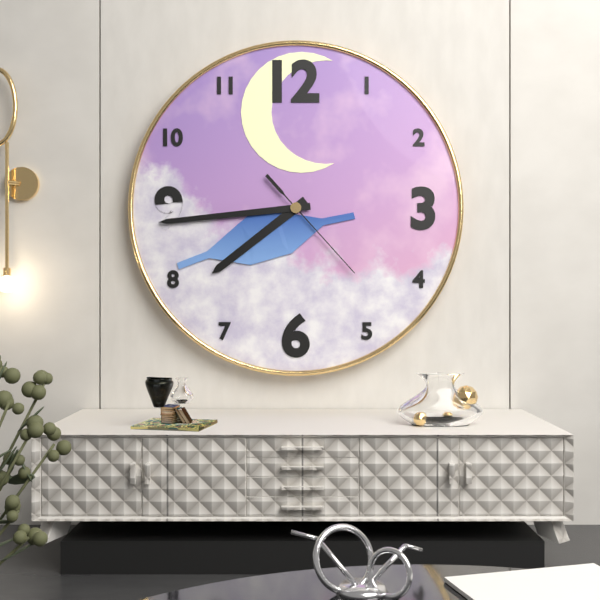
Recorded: 7.44.23
